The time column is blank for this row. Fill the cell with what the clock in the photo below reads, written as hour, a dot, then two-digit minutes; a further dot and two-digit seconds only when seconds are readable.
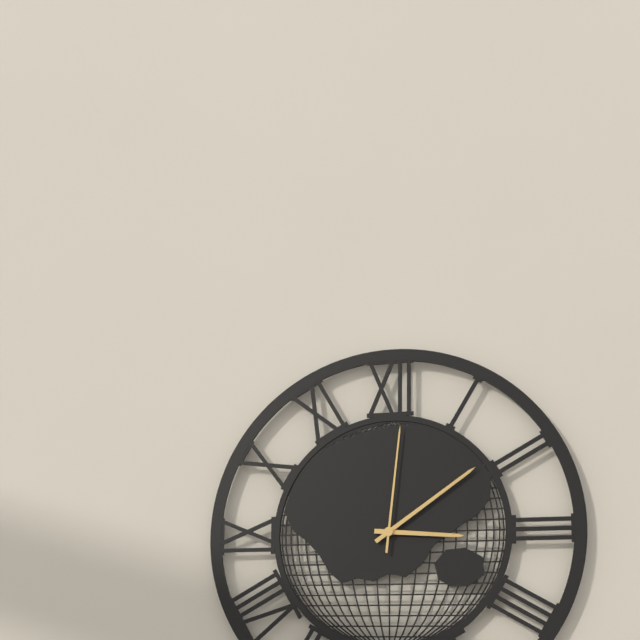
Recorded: 3.09.01
